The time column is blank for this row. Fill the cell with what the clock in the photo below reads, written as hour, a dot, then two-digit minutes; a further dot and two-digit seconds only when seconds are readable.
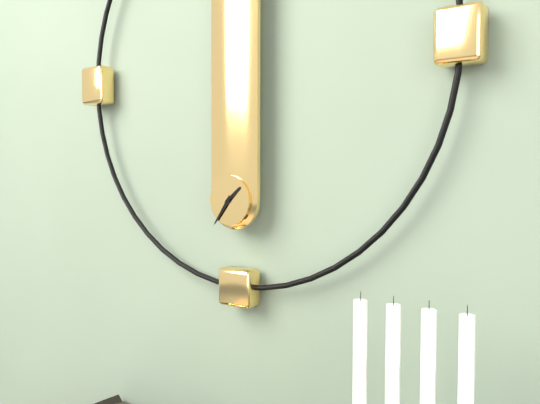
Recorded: 1.36
